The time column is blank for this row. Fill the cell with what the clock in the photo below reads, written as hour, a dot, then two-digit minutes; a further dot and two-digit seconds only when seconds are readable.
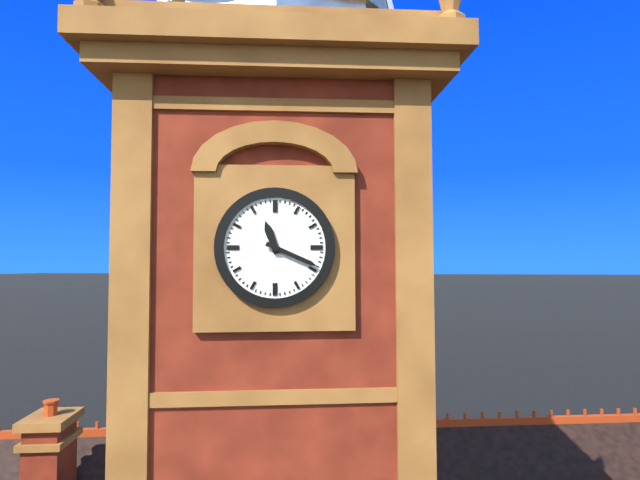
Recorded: 11.19
